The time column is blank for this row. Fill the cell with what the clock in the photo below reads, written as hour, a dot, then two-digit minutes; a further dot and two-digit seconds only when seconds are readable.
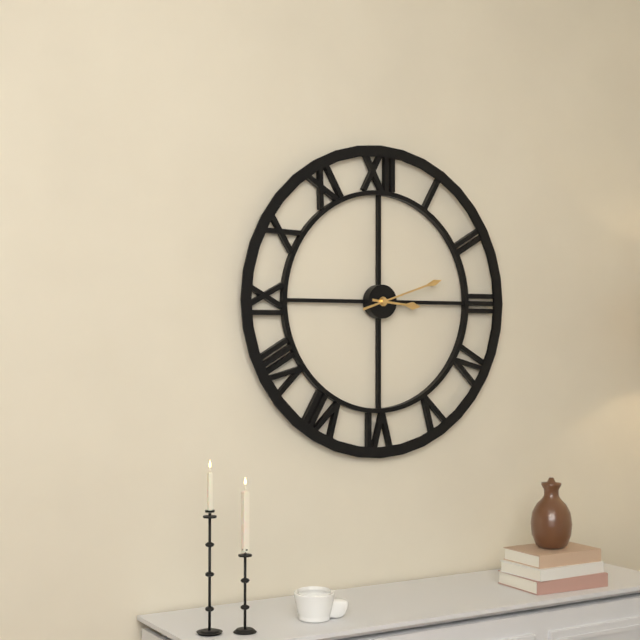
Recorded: 3.12
